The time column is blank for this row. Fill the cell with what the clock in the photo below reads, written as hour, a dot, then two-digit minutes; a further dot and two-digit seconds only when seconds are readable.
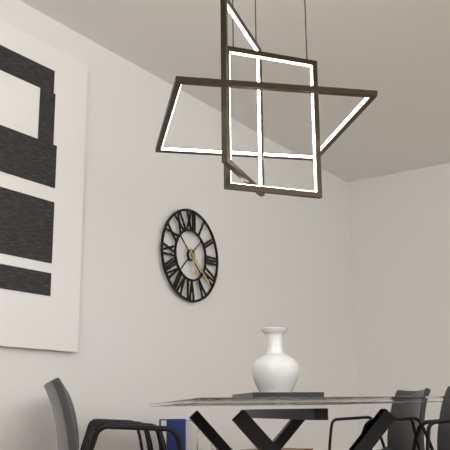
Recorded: 5.22
